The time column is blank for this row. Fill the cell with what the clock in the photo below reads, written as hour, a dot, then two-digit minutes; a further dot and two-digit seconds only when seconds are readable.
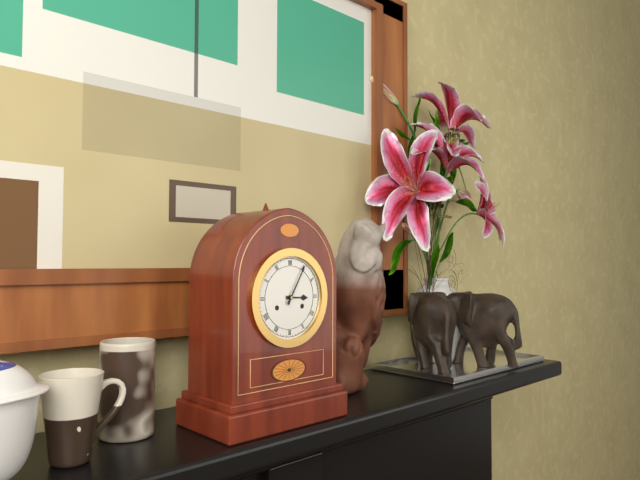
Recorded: 3.05
